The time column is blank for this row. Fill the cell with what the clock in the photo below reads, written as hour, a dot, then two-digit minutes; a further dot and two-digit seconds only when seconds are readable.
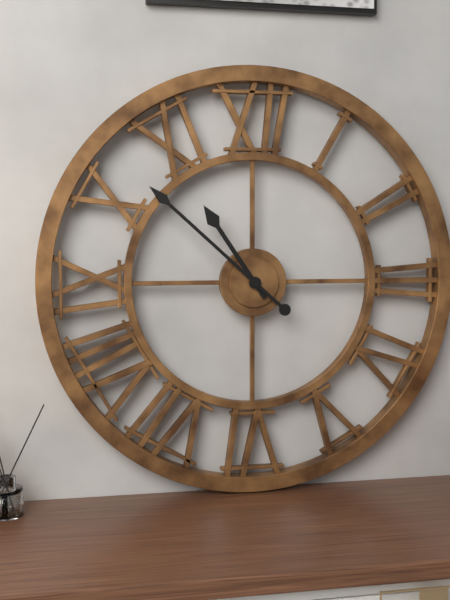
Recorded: 10.52
